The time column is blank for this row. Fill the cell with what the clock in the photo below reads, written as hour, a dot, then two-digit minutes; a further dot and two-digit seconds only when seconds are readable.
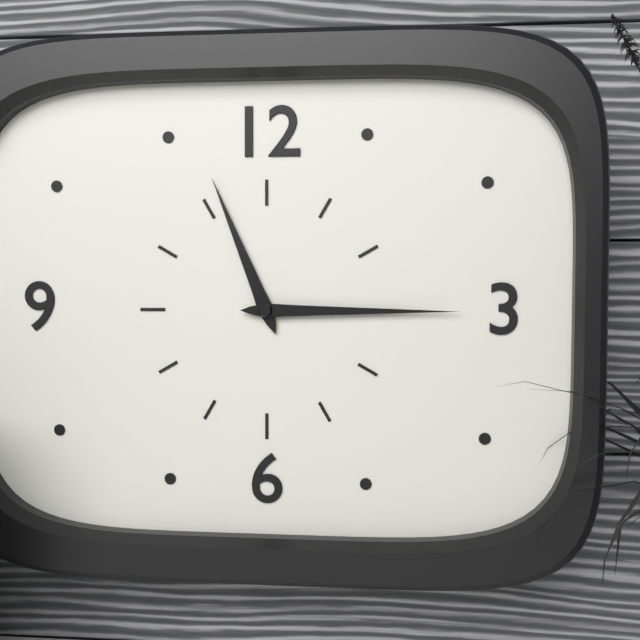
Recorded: 11.15
